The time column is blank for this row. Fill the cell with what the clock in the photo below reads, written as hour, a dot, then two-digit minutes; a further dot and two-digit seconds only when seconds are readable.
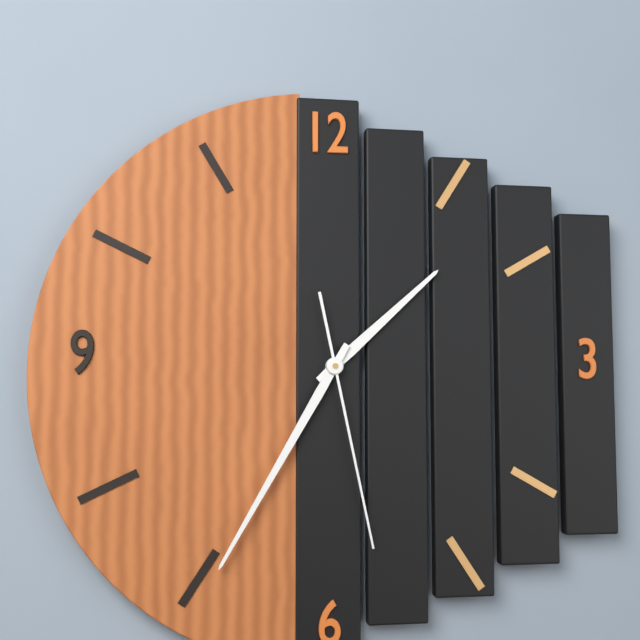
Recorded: 1.35.28
